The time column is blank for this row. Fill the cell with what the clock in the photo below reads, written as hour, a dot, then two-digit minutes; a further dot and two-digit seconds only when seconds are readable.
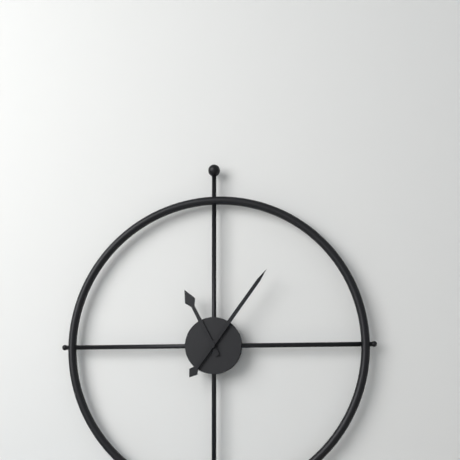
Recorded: 11.06
